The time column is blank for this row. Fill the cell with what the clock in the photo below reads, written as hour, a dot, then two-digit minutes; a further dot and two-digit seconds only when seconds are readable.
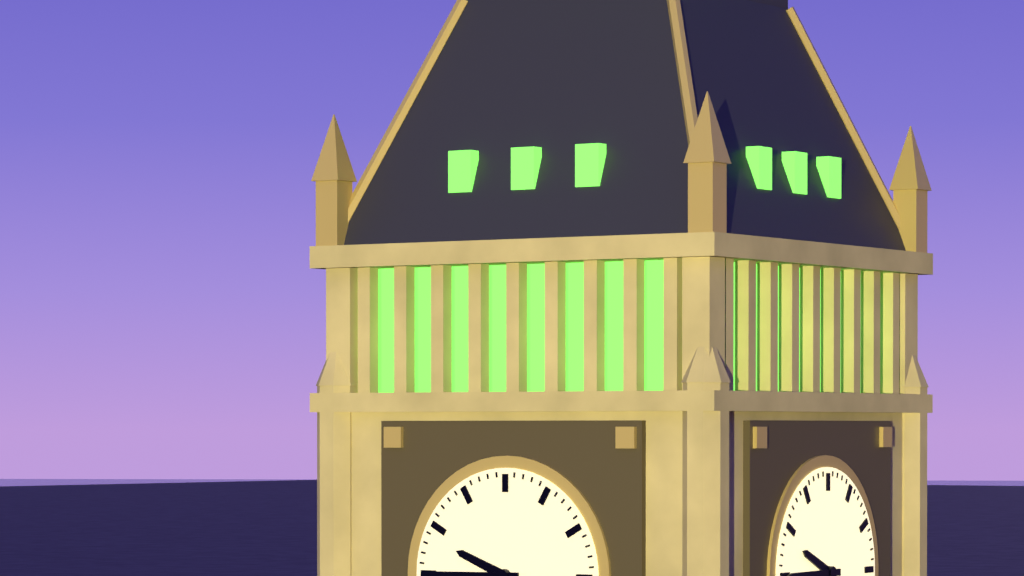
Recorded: 9.45
